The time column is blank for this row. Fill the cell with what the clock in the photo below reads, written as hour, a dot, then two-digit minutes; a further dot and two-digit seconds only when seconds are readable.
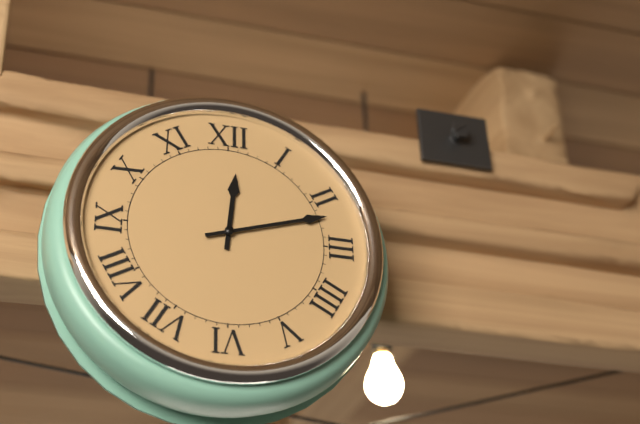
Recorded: 12.12
